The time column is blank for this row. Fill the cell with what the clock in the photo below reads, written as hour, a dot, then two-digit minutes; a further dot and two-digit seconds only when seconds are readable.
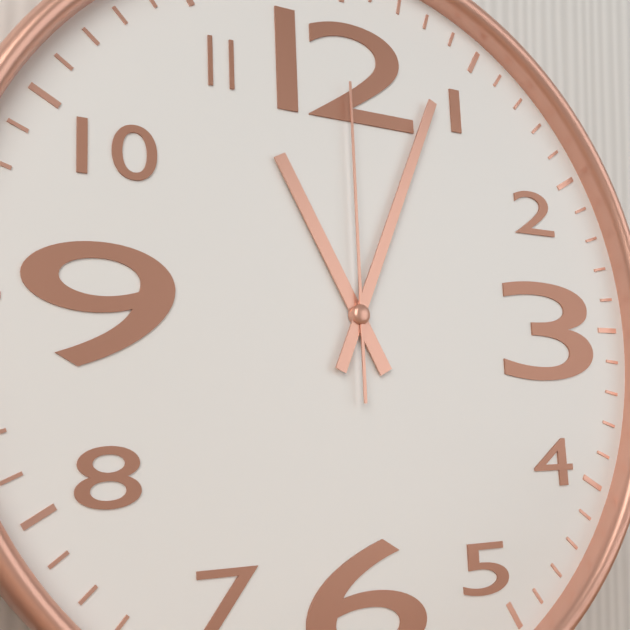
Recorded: 11.04.00
